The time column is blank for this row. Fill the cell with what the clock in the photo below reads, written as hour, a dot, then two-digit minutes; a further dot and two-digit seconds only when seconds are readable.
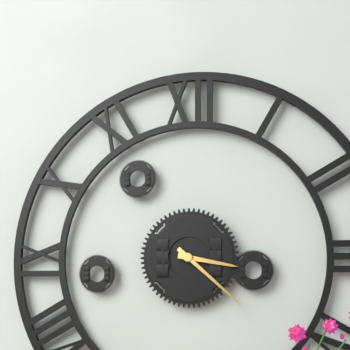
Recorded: 3.22
